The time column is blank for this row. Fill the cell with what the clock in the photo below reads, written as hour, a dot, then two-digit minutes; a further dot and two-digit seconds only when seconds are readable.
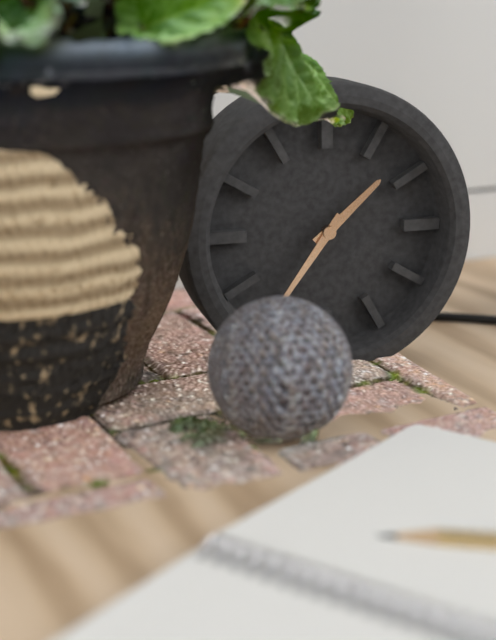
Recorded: 1.36
